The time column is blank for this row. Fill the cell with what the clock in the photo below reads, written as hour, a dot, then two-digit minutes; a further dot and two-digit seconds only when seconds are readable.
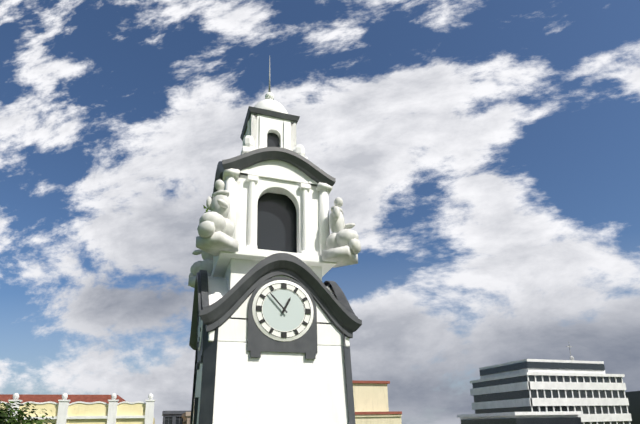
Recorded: 12.53
